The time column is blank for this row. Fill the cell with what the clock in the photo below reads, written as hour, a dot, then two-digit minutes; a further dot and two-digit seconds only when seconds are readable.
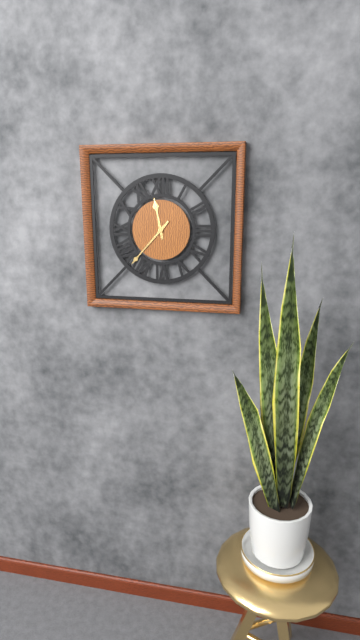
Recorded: 11.37
